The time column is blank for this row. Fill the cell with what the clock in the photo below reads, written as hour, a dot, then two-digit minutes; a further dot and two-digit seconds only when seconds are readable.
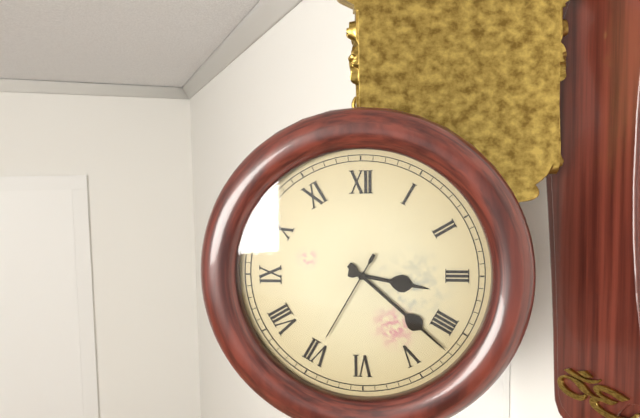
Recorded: 3.22.35
